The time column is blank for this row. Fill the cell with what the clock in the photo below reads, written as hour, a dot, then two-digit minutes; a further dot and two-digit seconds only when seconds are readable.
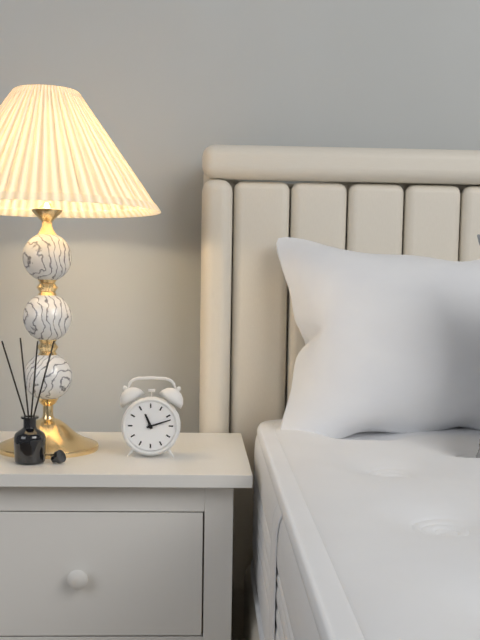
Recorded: 11.12
